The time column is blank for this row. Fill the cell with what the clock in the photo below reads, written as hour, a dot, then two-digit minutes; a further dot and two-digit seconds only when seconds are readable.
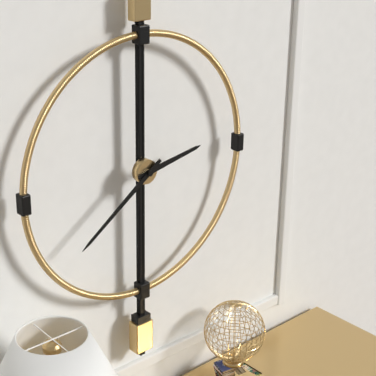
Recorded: 2.39
